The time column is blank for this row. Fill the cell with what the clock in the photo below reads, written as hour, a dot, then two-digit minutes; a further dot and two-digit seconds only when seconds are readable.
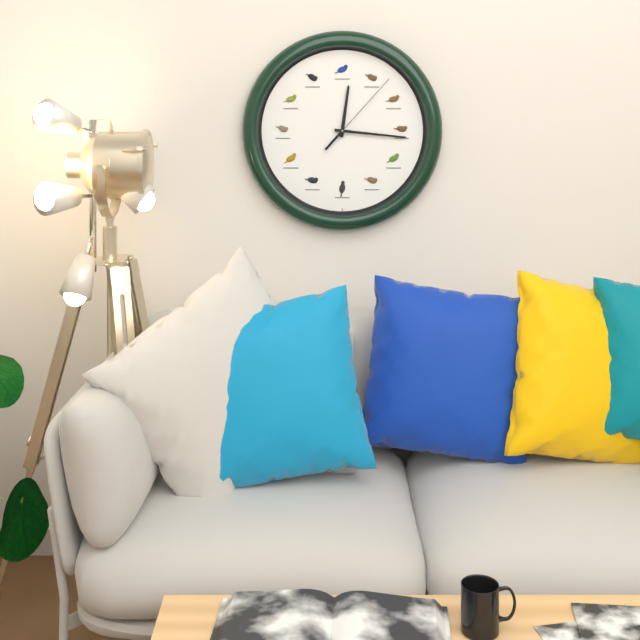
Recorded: 12.16.07
